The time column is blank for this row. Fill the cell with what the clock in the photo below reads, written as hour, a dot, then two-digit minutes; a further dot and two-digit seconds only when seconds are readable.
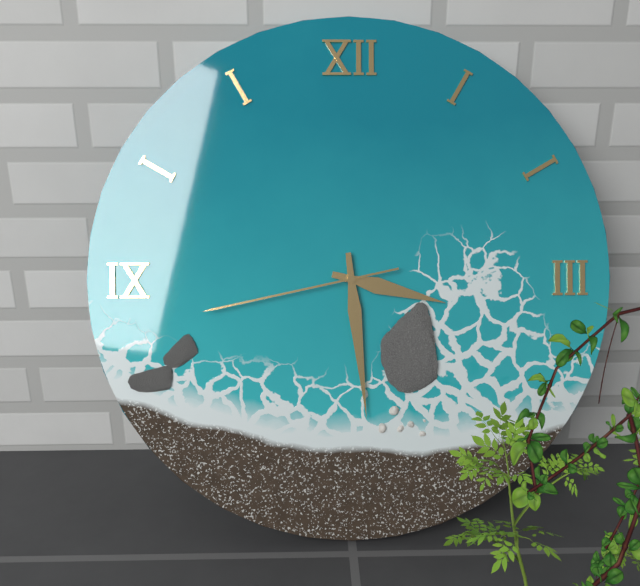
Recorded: 3.29.43
